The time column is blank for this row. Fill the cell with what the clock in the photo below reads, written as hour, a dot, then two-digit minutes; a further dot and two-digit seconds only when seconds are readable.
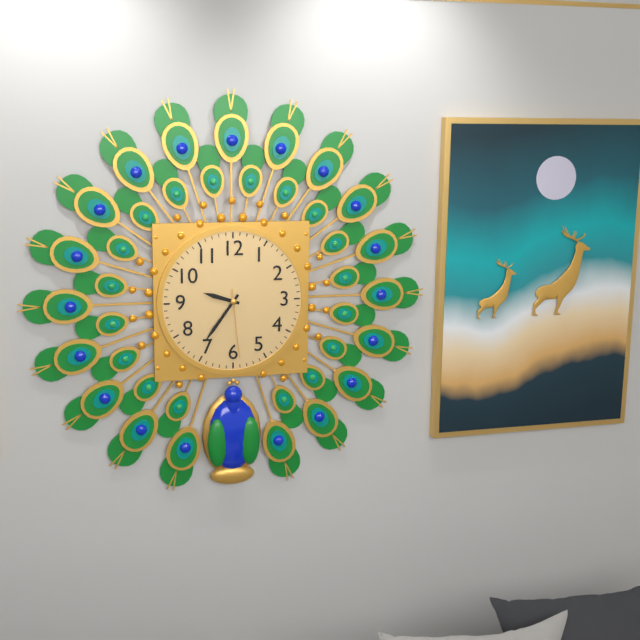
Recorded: 9.36.29
